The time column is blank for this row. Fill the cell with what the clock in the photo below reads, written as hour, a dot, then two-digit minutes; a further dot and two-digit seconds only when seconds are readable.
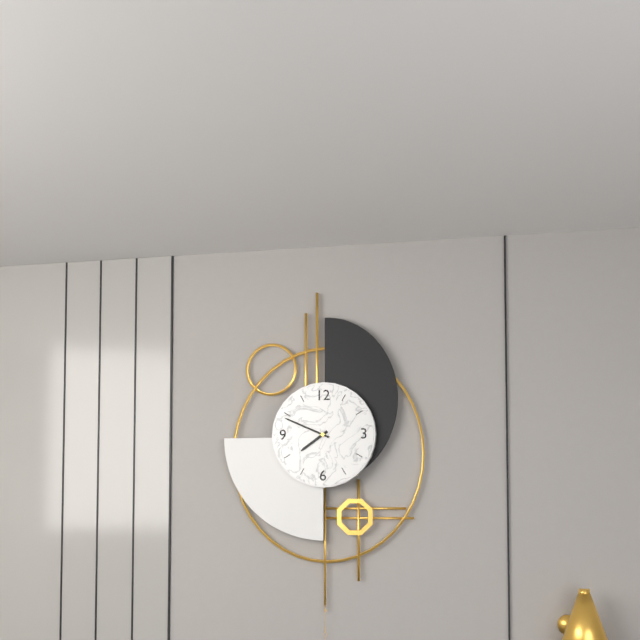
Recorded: 7.49
